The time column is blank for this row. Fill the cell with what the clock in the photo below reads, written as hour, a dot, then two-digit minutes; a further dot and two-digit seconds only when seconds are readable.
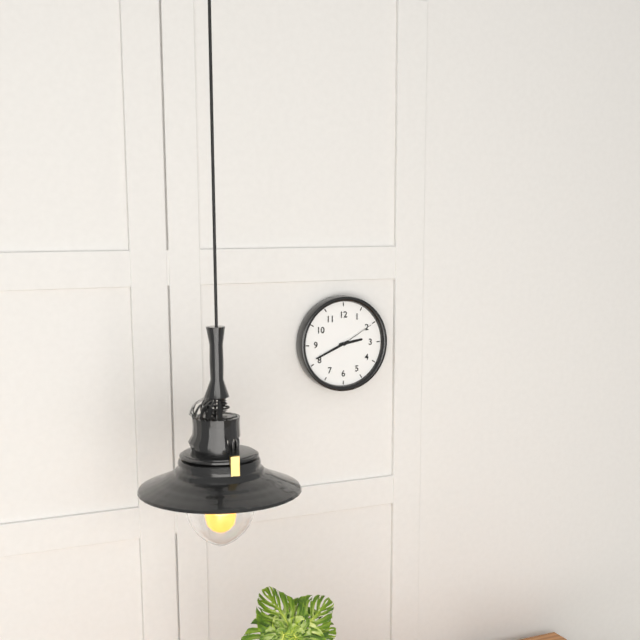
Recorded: 2.41
